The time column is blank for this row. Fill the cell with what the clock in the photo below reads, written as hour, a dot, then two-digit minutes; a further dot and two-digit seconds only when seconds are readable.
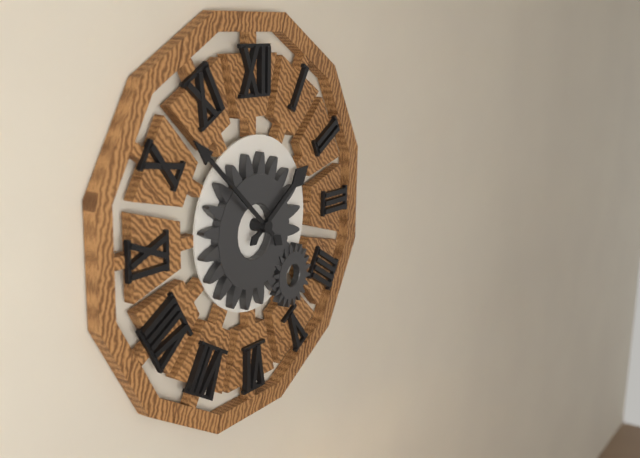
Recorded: 1.52
